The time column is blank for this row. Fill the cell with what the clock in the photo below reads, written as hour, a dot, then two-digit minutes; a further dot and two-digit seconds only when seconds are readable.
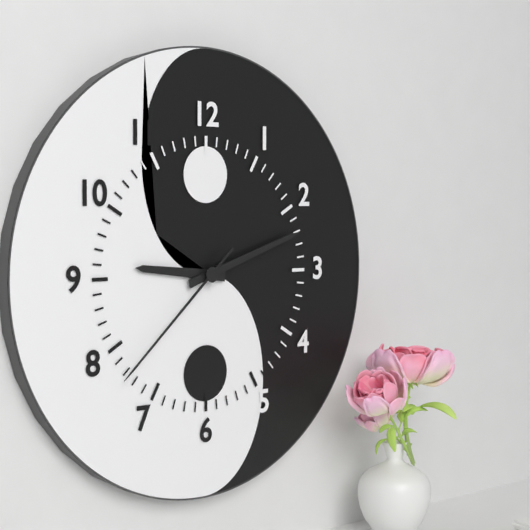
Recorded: 9.12.38
